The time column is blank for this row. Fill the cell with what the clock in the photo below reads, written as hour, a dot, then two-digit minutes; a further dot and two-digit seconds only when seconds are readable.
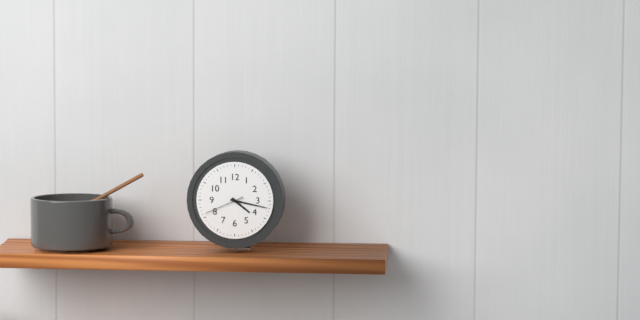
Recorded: 4.17
